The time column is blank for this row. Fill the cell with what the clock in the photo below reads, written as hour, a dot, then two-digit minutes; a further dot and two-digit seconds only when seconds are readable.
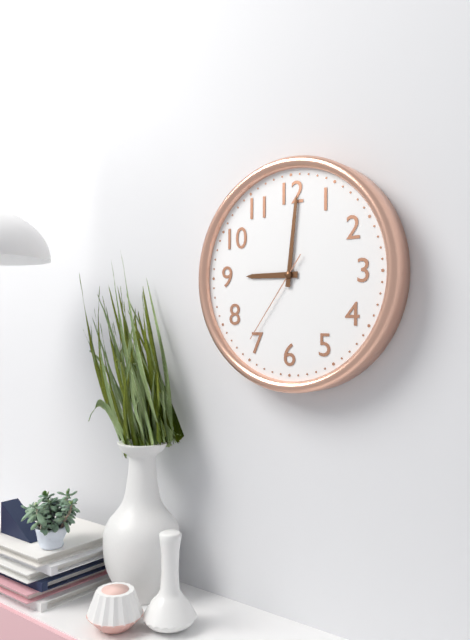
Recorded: 9.01.36
